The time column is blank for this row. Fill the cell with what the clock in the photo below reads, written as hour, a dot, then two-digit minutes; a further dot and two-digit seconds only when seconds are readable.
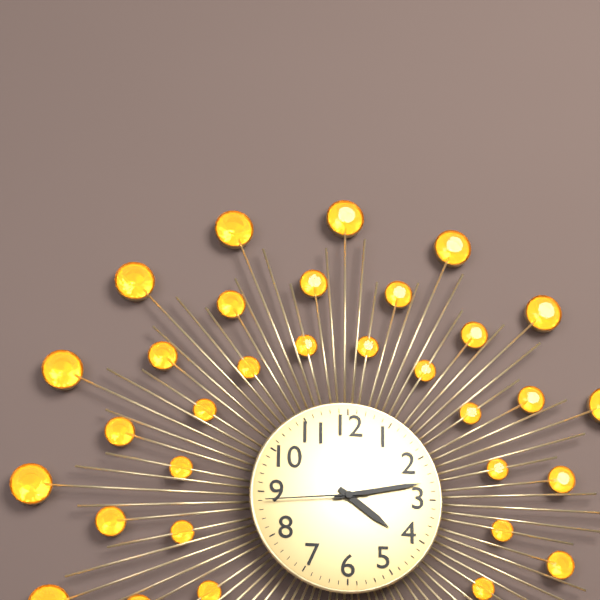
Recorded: 4.13.44
